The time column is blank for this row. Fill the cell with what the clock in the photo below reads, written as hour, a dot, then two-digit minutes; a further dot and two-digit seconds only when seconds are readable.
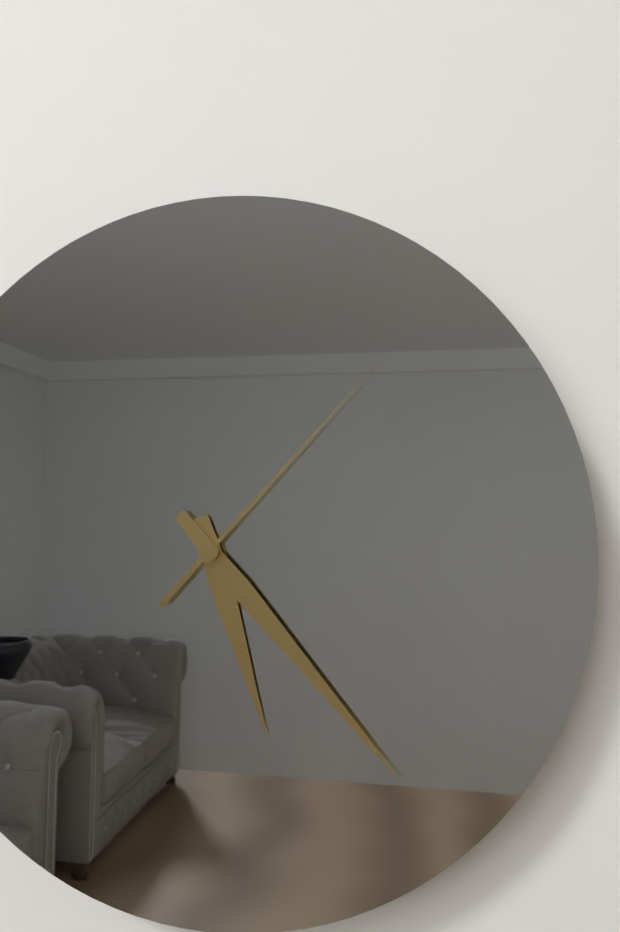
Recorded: 5.23.07
